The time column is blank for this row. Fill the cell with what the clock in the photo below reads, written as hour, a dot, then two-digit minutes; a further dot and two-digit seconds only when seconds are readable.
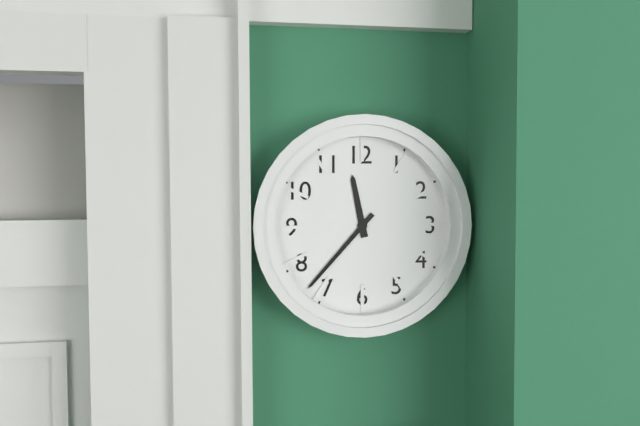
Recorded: 11.37
